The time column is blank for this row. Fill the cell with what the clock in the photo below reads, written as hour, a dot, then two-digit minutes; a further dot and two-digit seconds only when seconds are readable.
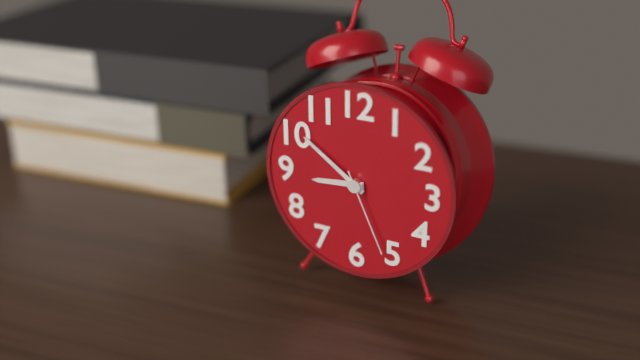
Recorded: 8.51.26
